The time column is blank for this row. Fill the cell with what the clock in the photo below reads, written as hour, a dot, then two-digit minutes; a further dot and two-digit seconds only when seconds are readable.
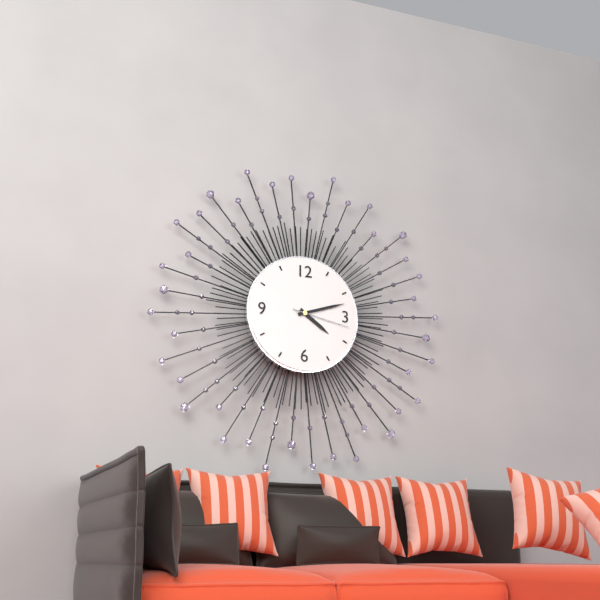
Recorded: 4.12.17
